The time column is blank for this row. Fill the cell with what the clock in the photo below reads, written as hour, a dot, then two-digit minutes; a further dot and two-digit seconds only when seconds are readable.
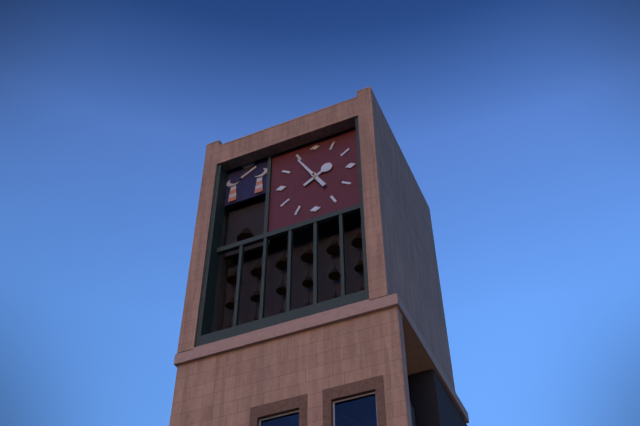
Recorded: 1.55
